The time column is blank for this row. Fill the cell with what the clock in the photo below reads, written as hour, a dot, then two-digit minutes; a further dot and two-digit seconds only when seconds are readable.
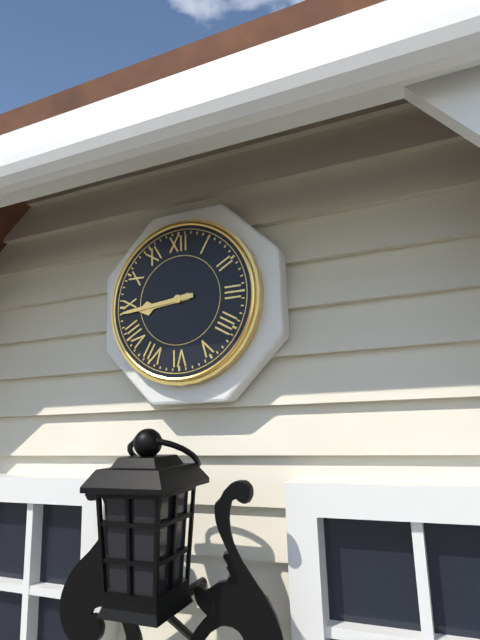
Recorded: 8.44
